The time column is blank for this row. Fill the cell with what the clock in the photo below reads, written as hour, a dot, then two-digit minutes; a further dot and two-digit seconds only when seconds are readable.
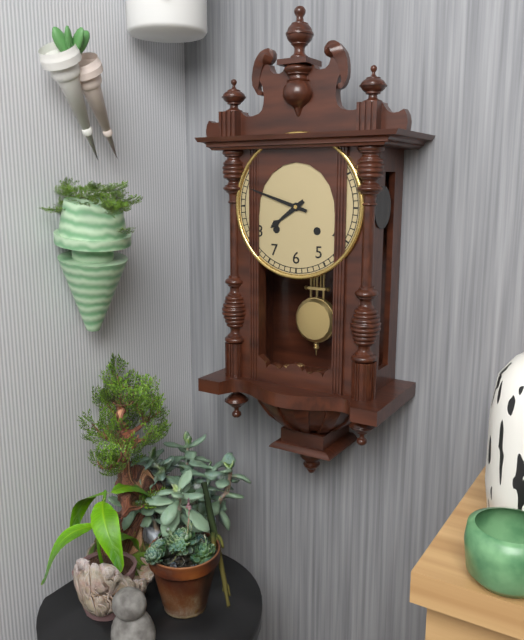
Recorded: 7.48
